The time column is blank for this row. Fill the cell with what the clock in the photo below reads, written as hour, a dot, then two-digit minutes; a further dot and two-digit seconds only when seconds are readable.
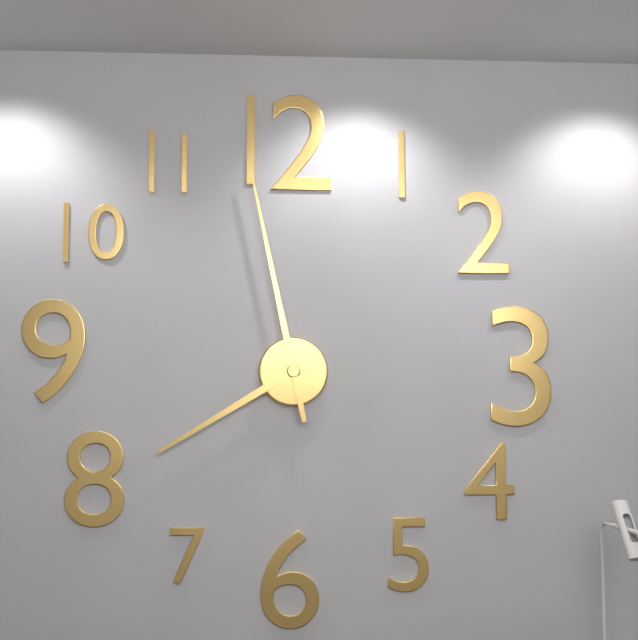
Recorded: 7.58
